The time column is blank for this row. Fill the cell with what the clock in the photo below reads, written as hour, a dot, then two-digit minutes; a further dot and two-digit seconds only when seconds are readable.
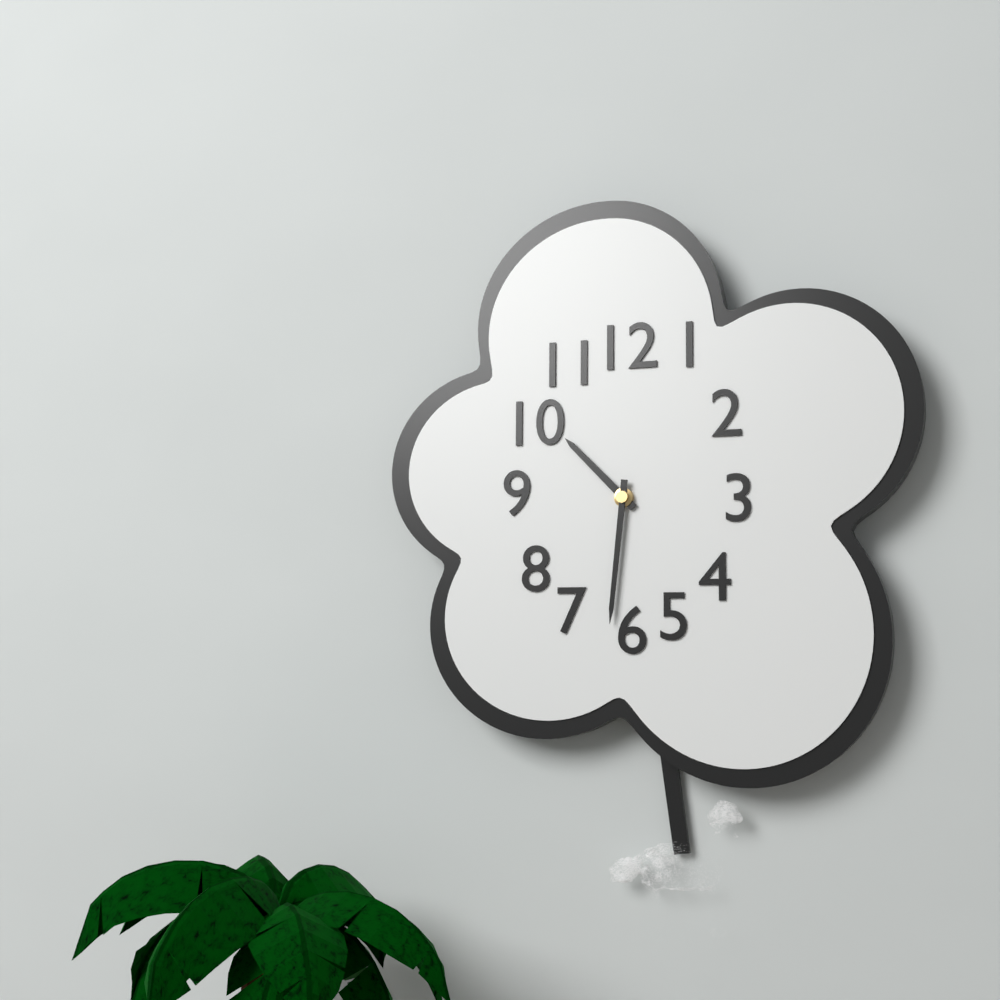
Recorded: 10.31
